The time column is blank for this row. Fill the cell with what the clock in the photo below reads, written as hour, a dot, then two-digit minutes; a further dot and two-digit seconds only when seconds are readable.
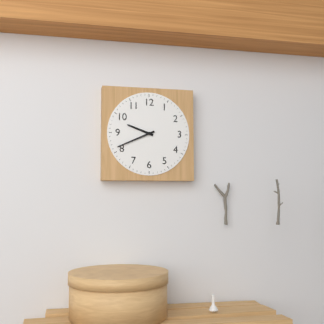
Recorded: 9.41
